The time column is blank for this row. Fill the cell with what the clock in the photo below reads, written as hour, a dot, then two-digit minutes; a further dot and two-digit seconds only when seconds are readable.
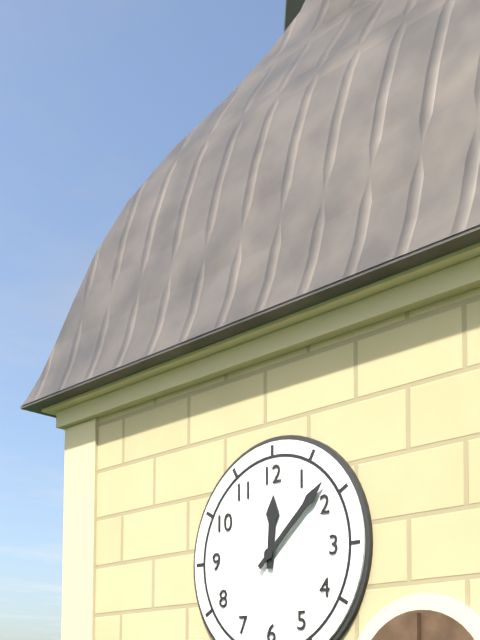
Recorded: 12.08
